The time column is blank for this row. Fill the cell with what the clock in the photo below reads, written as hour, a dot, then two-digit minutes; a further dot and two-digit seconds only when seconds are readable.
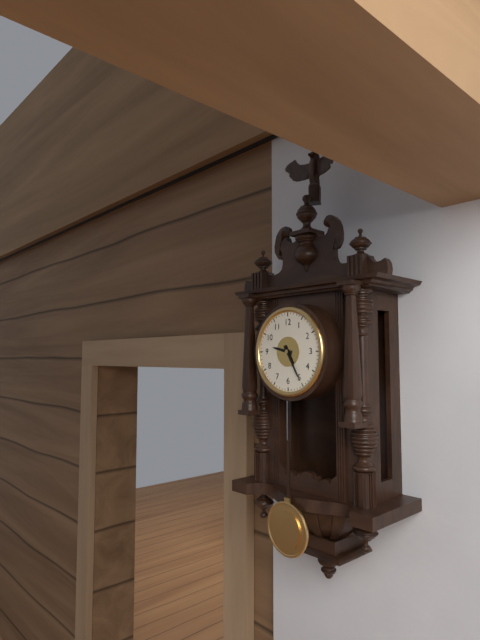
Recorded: 9.25
